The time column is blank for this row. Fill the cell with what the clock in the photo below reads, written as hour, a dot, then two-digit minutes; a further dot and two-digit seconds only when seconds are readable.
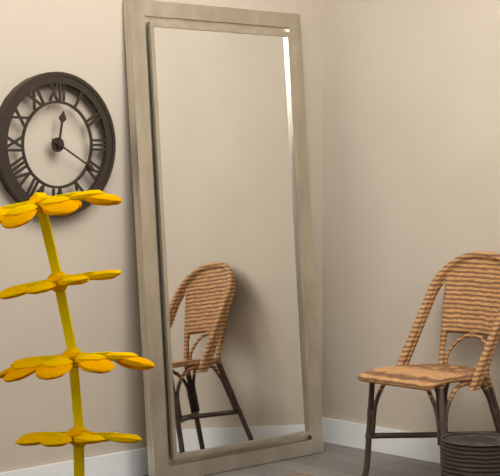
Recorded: 12.20
